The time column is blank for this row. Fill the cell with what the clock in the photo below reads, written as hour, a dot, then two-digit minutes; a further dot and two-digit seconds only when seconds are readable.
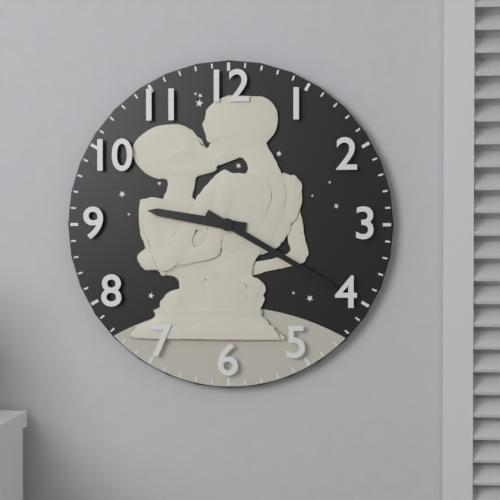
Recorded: 9.20
